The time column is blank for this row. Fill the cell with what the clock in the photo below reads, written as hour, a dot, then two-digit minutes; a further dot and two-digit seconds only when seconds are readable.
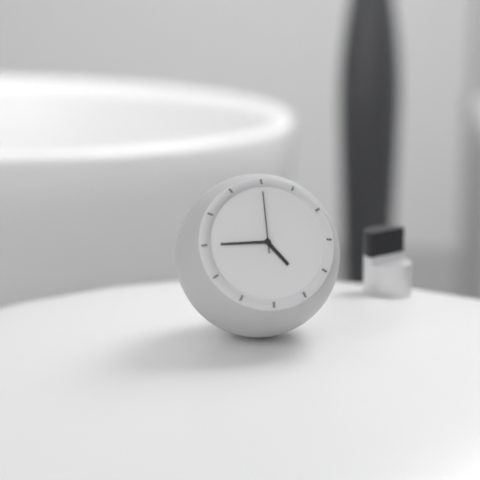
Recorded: 4.45.00
